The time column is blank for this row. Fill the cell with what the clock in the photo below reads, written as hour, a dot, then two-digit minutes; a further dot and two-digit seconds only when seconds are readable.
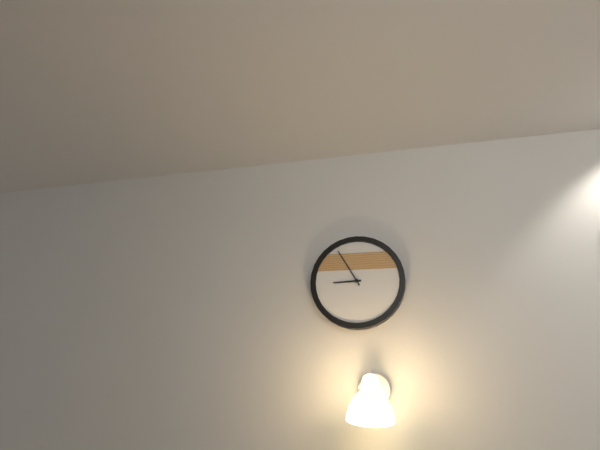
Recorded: 8.55
